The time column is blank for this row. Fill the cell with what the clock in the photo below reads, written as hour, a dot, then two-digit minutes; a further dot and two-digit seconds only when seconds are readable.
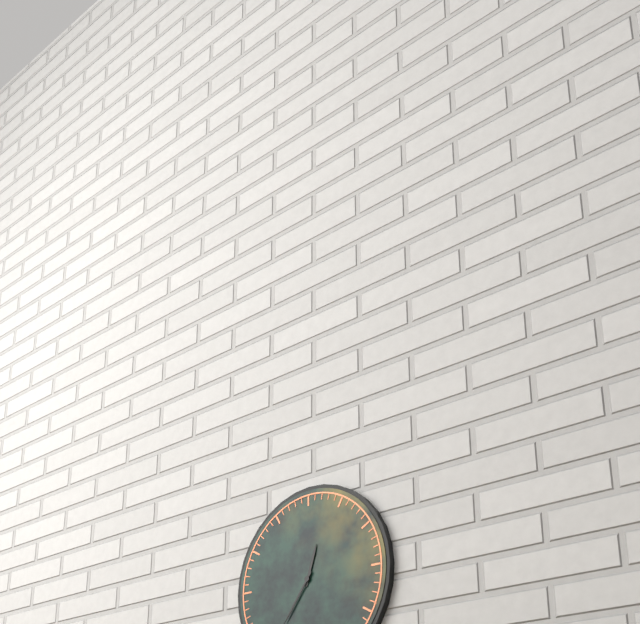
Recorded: 12.36
